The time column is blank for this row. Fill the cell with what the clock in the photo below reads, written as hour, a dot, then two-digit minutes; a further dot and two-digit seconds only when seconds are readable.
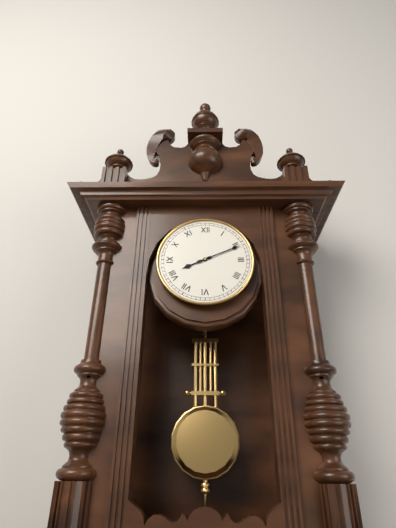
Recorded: 8.11
